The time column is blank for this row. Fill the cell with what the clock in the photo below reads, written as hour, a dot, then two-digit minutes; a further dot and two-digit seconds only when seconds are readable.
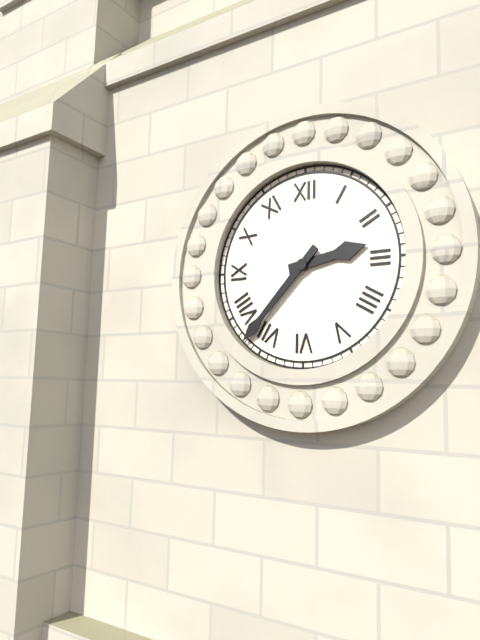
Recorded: 2.37
